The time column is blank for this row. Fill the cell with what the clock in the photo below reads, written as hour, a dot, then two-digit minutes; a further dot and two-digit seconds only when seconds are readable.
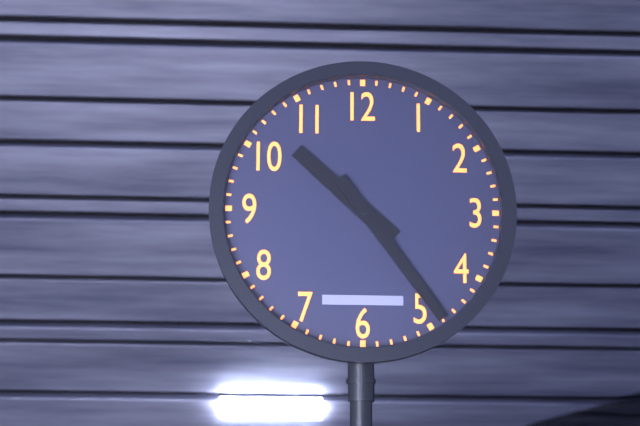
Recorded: 10.24
